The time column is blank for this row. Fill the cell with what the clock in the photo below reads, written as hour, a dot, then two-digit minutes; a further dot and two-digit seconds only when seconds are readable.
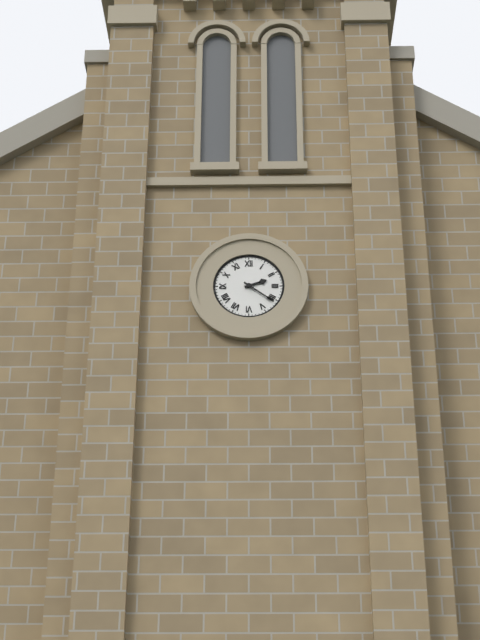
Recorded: 2.21
